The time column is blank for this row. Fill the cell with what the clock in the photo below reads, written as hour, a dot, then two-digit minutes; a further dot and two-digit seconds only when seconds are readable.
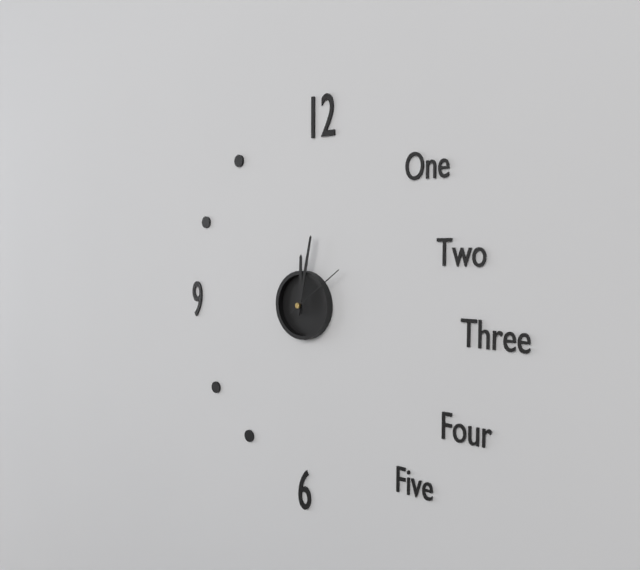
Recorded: 12.02.09
